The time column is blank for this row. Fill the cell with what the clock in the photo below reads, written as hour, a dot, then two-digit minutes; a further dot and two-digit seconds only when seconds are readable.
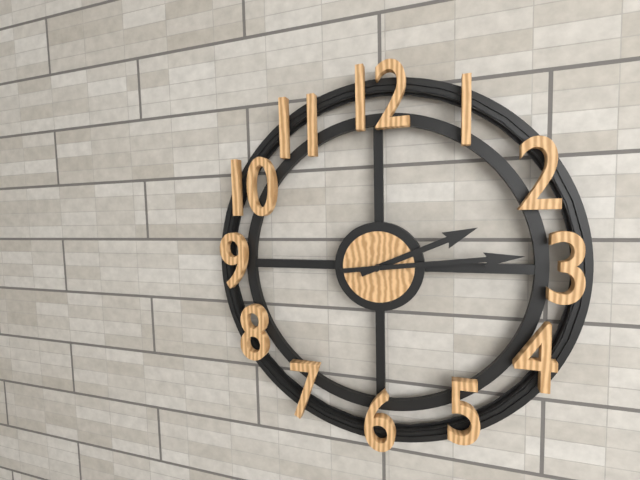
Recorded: 2.14
